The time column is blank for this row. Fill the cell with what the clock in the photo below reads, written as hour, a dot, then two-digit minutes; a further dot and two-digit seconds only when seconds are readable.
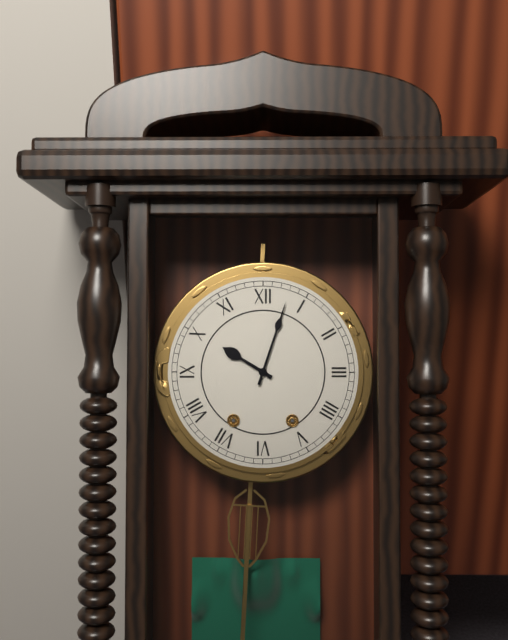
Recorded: 10.03
